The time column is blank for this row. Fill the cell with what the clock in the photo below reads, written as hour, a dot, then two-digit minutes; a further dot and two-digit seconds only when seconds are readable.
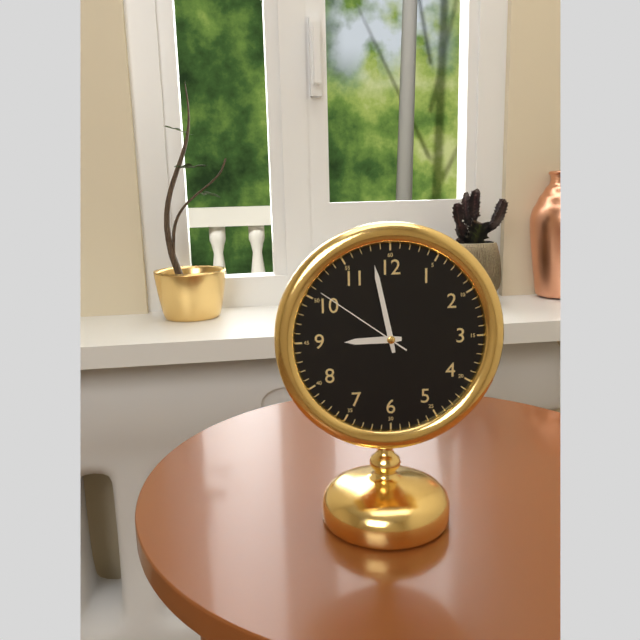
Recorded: 8.58.51
